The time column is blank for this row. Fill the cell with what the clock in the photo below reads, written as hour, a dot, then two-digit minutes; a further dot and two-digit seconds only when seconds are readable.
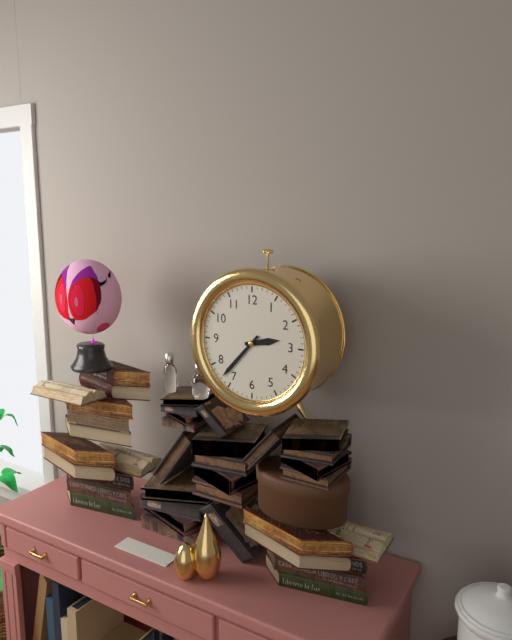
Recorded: 2.37
